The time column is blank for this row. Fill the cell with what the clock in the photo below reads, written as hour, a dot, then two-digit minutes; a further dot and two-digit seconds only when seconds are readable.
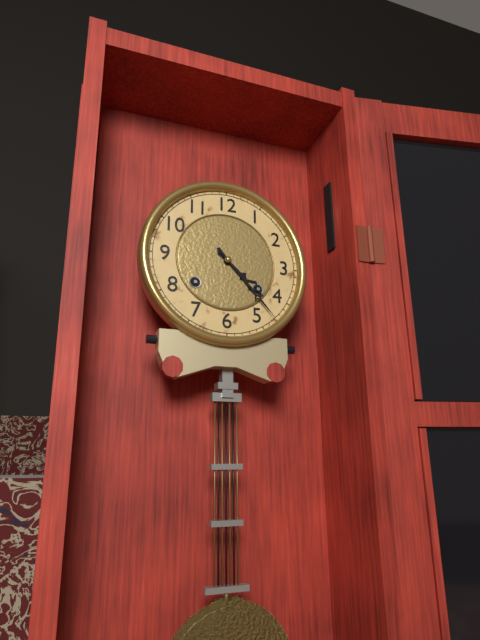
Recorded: 4.23
